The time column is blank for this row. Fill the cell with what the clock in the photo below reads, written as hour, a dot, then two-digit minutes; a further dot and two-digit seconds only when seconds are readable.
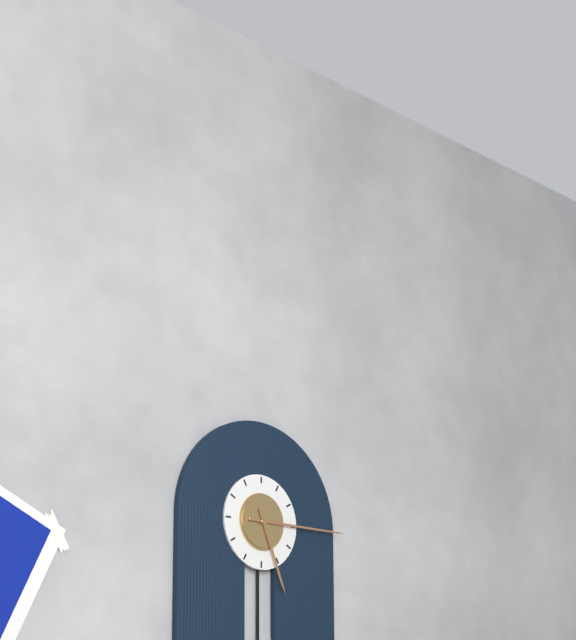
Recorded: 5.15
